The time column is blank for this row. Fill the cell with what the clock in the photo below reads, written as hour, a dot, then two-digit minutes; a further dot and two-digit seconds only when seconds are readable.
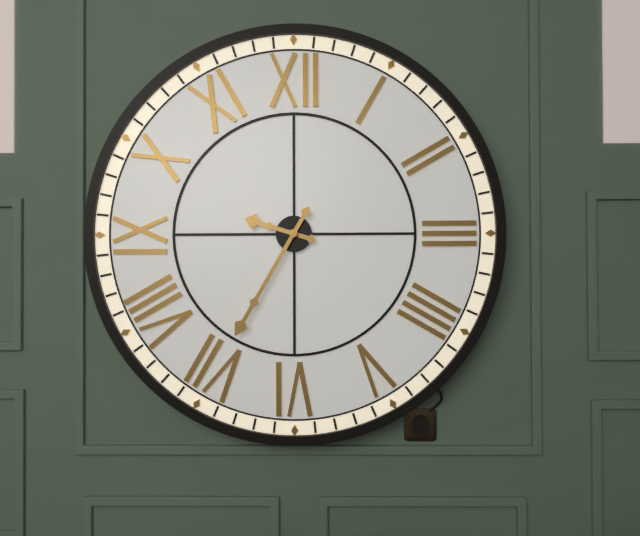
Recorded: 9.35
